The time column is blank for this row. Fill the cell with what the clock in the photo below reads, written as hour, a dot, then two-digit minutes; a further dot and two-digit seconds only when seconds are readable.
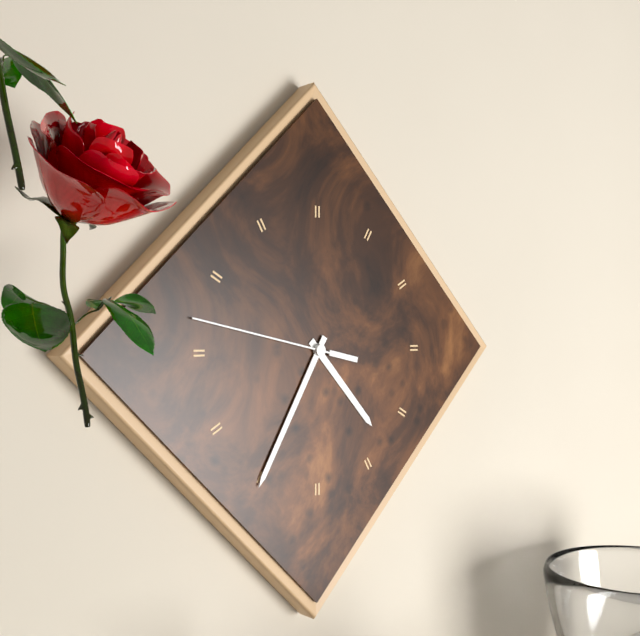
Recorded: 4.35.47
